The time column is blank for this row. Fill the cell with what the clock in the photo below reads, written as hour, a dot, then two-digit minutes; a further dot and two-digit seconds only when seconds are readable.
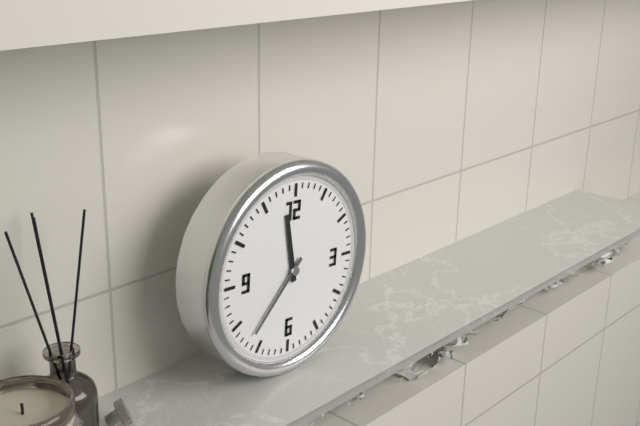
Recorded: 11.37
